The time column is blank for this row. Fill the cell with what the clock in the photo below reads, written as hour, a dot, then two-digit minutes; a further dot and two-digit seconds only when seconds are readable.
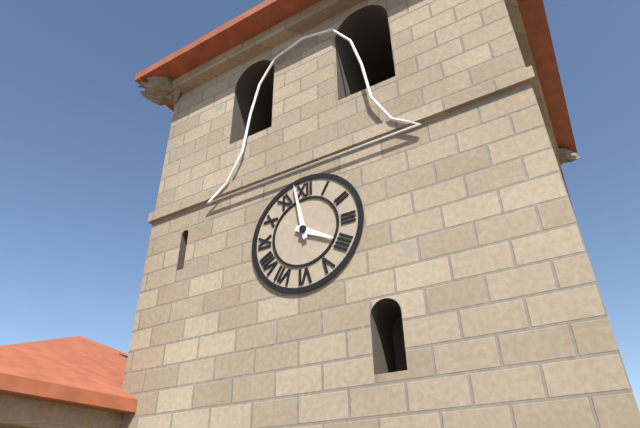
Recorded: 3.58
